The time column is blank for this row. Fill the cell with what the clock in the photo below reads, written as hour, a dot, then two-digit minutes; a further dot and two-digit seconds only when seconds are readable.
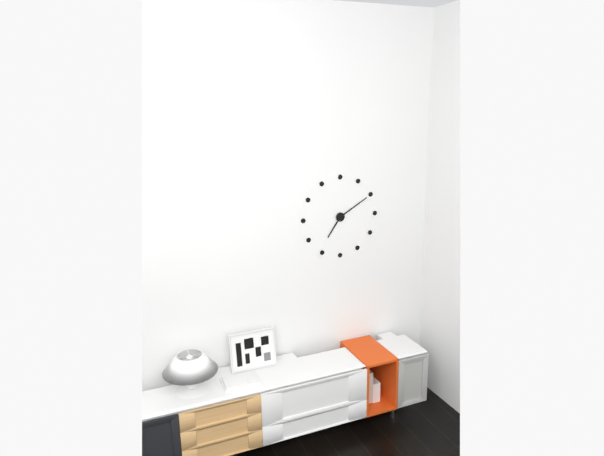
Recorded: 7.10
